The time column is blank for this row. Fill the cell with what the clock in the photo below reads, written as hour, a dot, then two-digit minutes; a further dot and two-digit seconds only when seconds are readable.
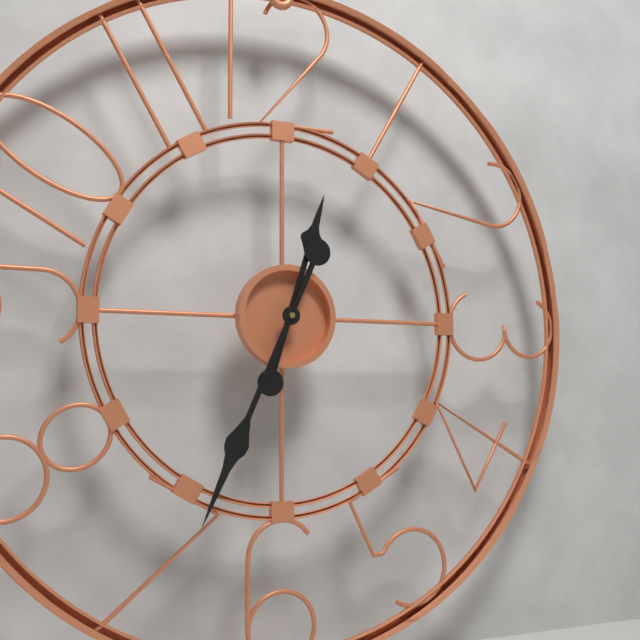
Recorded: 12.34
